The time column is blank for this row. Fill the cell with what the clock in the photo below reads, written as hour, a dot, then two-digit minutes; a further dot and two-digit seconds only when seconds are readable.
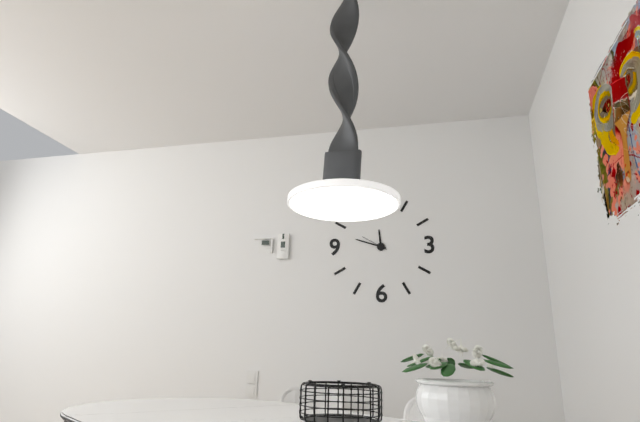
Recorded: 11.48
